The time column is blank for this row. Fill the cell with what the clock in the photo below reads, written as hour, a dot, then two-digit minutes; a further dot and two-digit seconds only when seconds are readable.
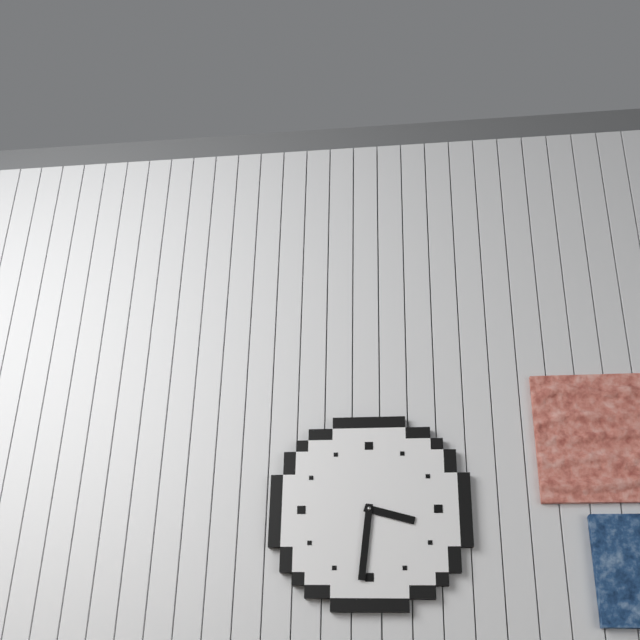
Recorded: 3.31
